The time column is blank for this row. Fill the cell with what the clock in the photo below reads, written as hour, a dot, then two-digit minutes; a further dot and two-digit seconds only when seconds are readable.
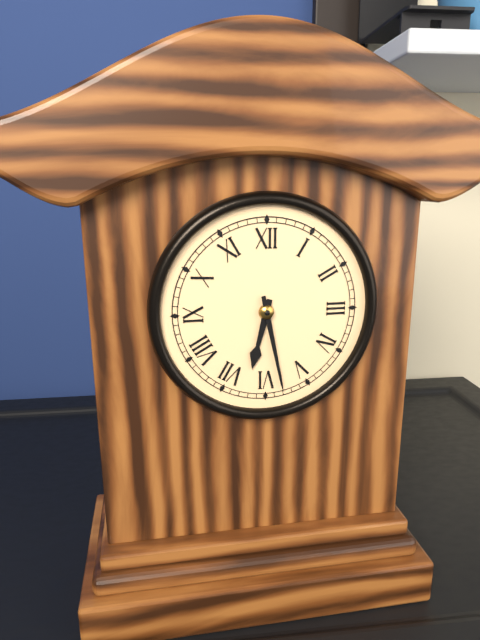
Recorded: 6.28
